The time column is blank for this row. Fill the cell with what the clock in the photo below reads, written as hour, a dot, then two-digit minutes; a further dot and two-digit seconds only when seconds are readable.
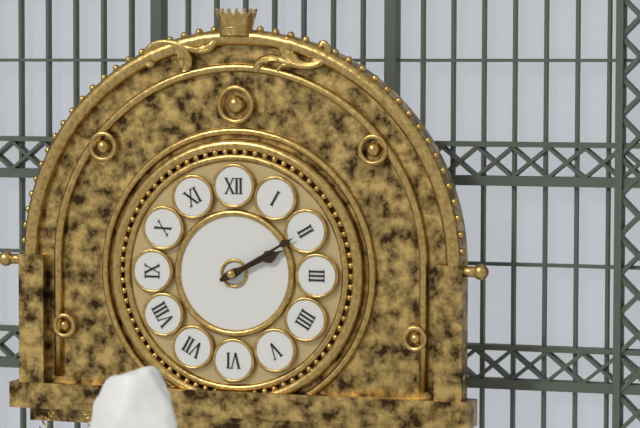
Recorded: 2.10
